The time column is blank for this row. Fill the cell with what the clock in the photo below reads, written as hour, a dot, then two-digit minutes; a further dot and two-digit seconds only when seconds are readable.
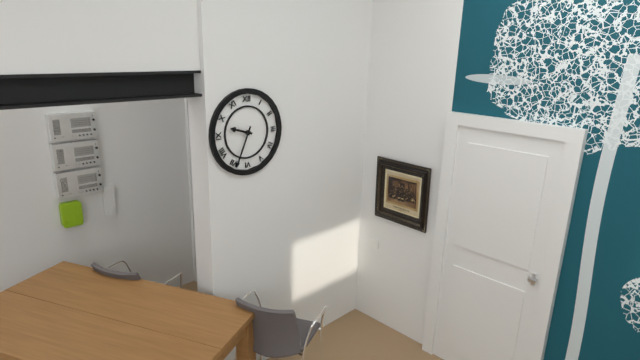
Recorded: 9.34
